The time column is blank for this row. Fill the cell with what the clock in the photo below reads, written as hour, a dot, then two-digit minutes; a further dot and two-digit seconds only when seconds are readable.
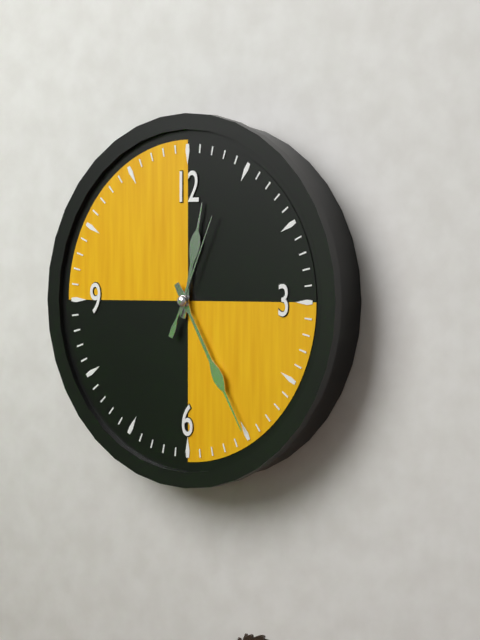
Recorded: 12.25.04
